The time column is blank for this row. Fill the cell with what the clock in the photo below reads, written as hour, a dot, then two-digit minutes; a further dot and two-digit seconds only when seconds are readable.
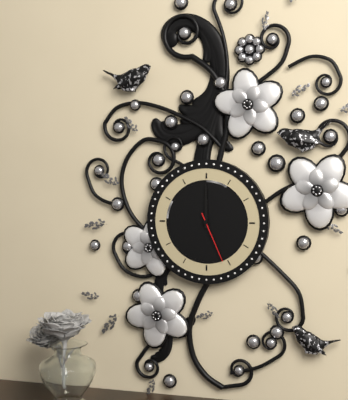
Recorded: 12.00.26
